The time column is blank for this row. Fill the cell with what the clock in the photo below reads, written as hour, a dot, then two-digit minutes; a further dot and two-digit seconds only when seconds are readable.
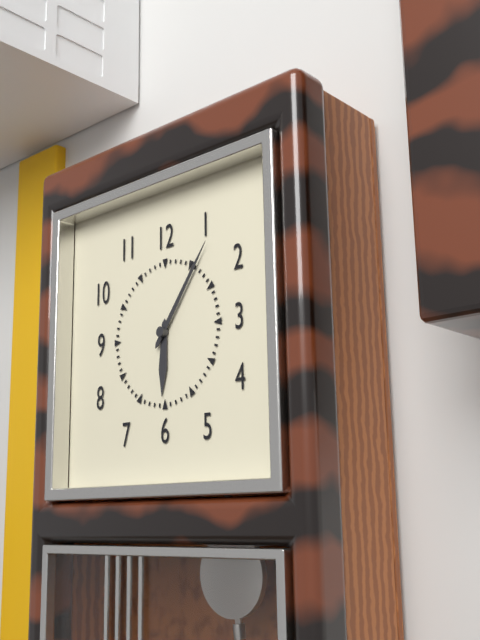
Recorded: 6.06
